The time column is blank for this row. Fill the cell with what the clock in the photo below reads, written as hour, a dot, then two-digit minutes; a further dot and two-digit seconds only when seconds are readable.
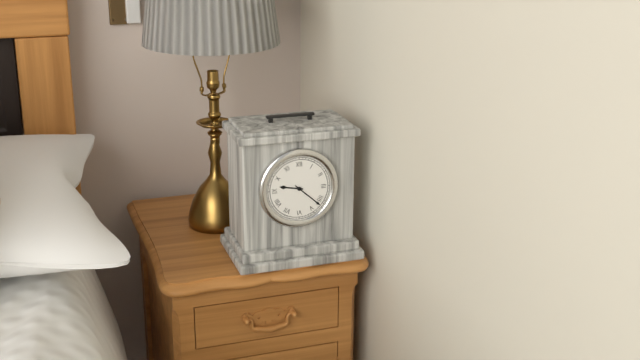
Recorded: 9.22
